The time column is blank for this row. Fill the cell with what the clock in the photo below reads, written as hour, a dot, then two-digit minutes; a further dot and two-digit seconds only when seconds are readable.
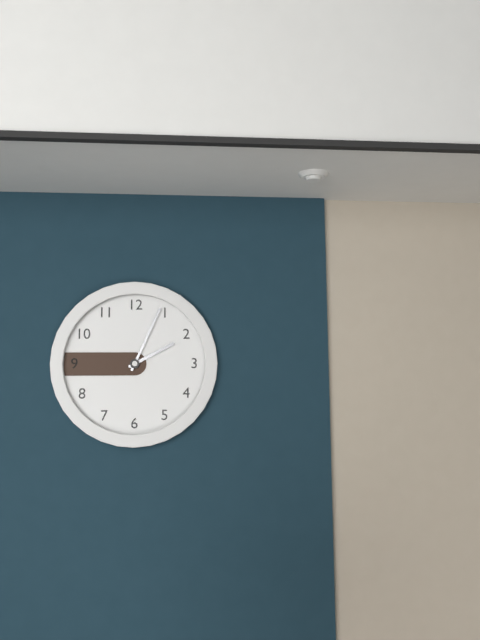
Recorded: 2.04
